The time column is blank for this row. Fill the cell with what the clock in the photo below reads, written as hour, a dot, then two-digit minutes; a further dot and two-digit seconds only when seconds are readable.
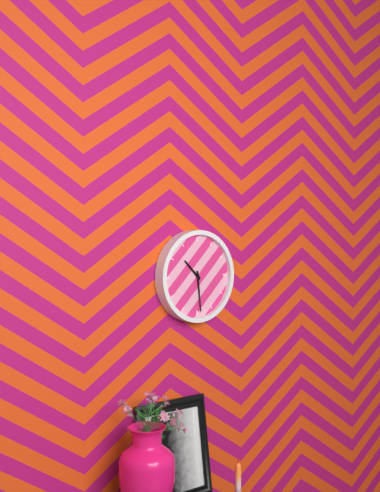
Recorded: 10.29
